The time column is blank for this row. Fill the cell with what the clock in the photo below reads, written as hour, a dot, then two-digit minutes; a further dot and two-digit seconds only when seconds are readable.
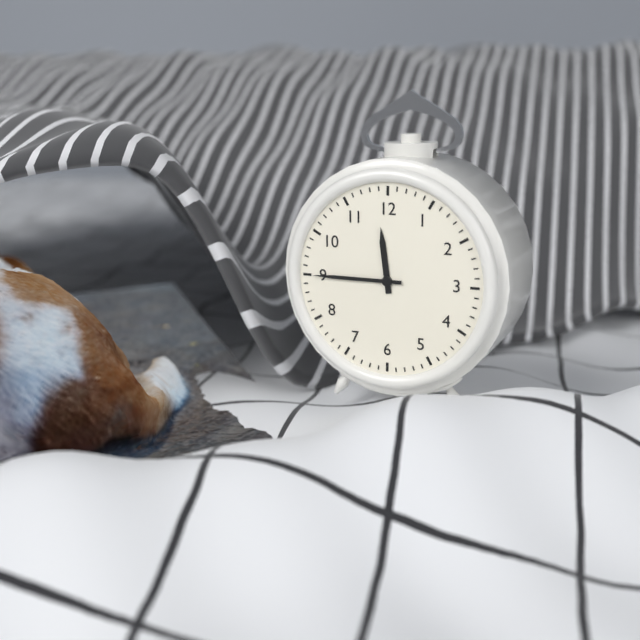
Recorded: 11.45
